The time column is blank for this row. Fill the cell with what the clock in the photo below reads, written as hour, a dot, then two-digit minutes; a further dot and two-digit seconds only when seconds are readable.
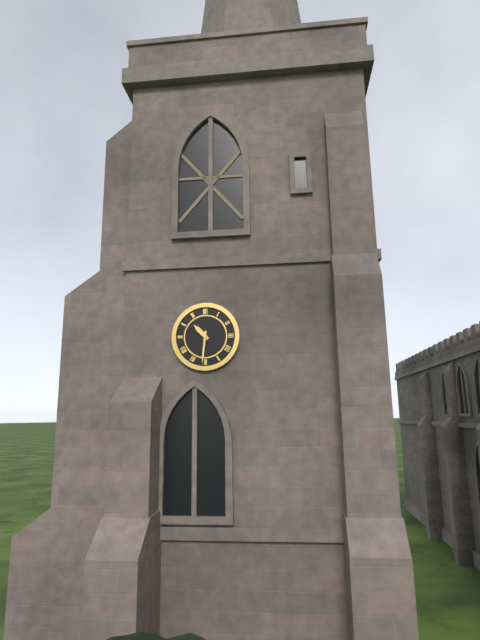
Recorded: 10.31
